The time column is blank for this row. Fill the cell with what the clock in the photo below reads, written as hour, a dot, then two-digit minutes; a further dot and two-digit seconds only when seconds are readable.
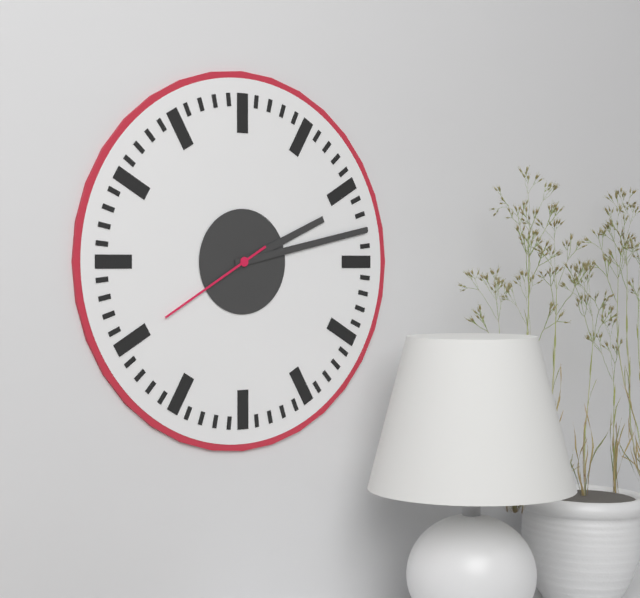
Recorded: 2.13.40
